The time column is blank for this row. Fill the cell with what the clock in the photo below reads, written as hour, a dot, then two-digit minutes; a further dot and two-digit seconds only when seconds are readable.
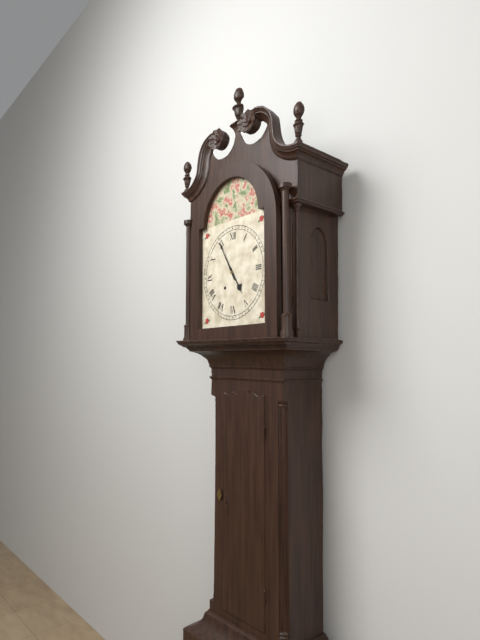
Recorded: 4.55
